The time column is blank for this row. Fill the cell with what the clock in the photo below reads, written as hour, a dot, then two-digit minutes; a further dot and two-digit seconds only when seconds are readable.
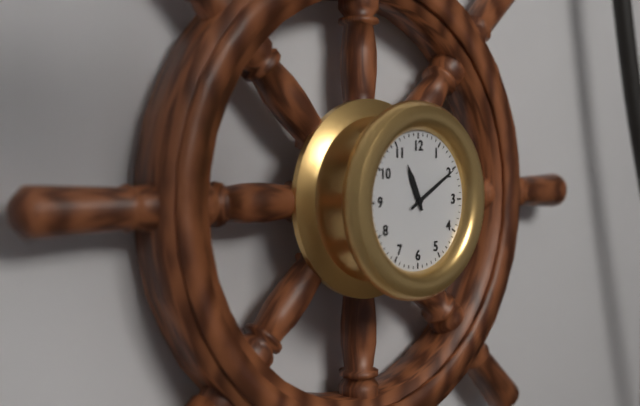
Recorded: 11.10
